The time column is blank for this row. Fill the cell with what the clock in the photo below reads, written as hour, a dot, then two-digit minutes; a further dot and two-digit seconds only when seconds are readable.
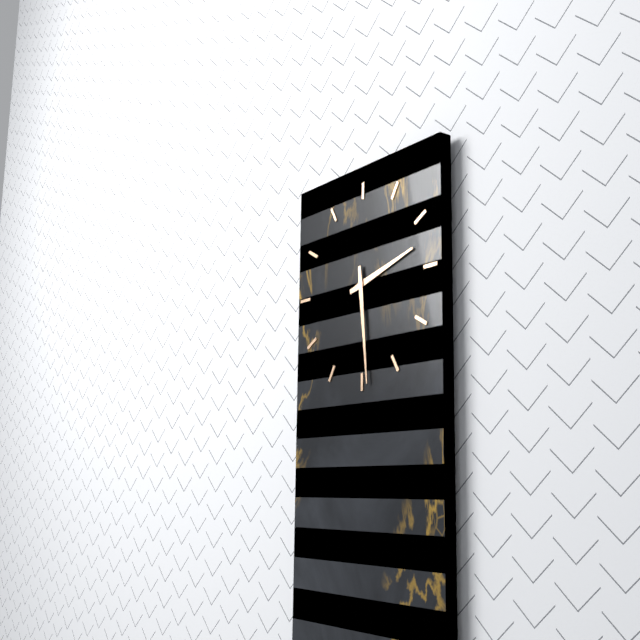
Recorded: 2.29
